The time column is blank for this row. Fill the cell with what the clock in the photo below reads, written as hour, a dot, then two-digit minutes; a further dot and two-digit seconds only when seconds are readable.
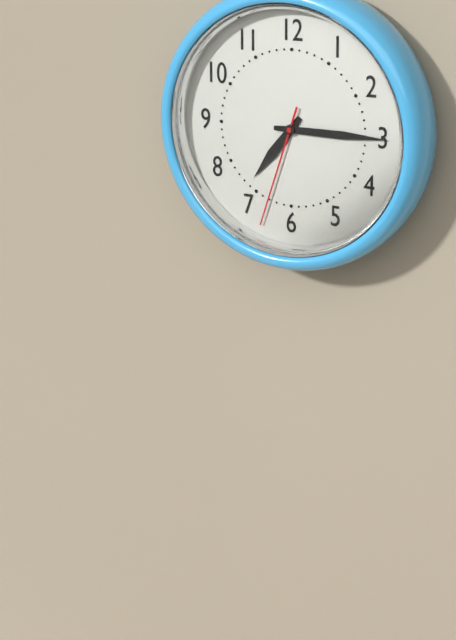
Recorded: 7.15.33
